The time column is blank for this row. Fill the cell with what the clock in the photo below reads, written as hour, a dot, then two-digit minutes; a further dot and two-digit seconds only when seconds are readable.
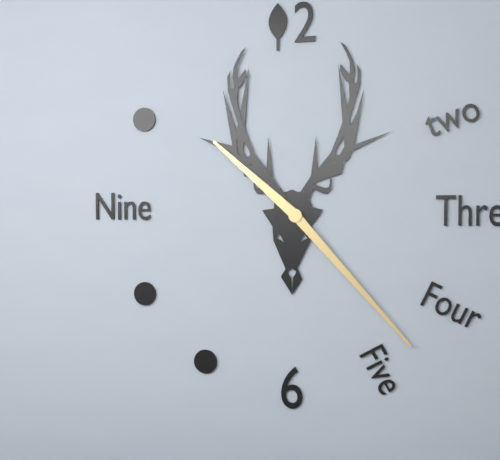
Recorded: 10.23
